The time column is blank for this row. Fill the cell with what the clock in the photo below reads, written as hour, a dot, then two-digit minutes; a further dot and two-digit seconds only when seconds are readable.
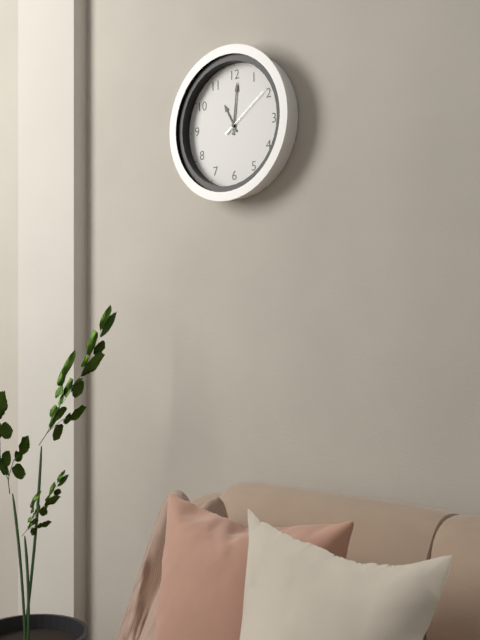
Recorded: 11.01.09
